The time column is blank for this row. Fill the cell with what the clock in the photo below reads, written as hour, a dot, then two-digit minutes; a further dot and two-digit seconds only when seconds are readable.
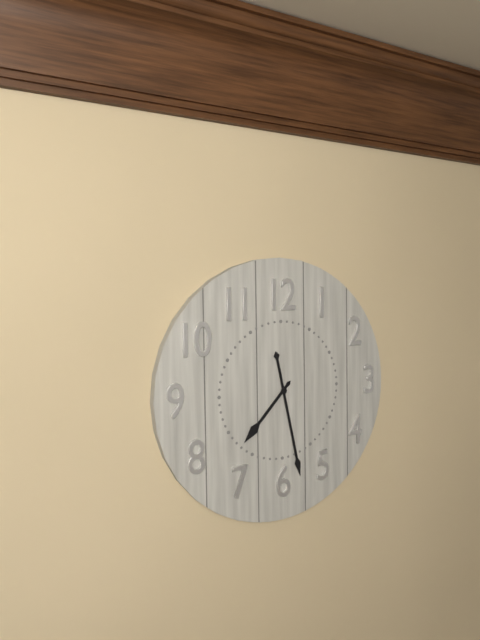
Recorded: 7.28
